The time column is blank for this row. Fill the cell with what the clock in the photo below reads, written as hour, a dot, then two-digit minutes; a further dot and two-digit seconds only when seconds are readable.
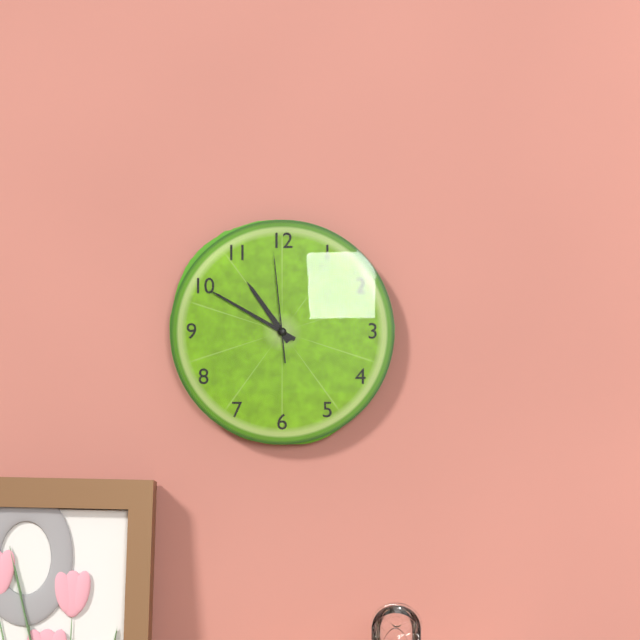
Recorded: 10.50.59
